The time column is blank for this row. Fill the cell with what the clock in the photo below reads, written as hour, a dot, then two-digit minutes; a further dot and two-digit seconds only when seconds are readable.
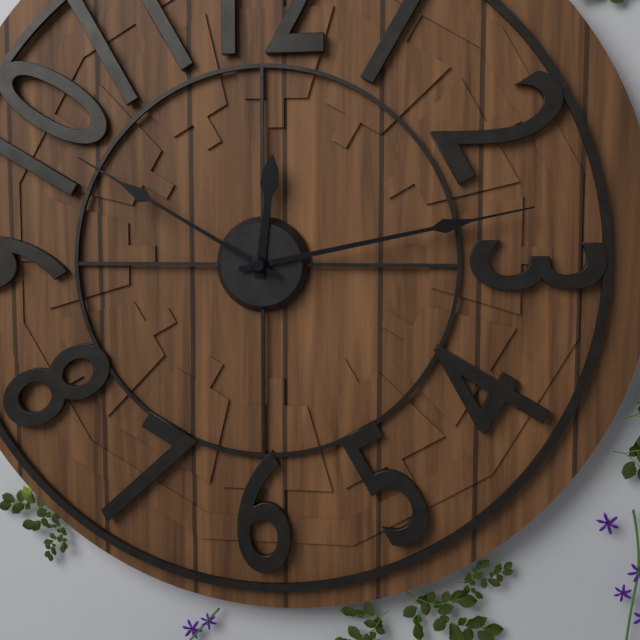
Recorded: 12.13.50
